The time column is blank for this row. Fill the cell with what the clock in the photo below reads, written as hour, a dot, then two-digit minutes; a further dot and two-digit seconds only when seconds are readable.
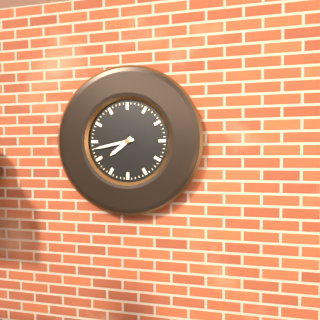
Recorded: 7.43
